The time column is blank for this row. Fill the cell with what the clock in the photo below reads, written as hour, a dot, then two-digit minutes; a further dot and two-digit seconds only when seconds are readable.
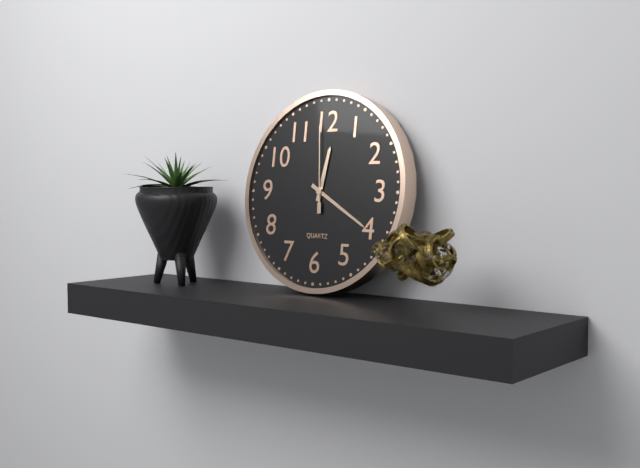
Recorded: 12.20.59
